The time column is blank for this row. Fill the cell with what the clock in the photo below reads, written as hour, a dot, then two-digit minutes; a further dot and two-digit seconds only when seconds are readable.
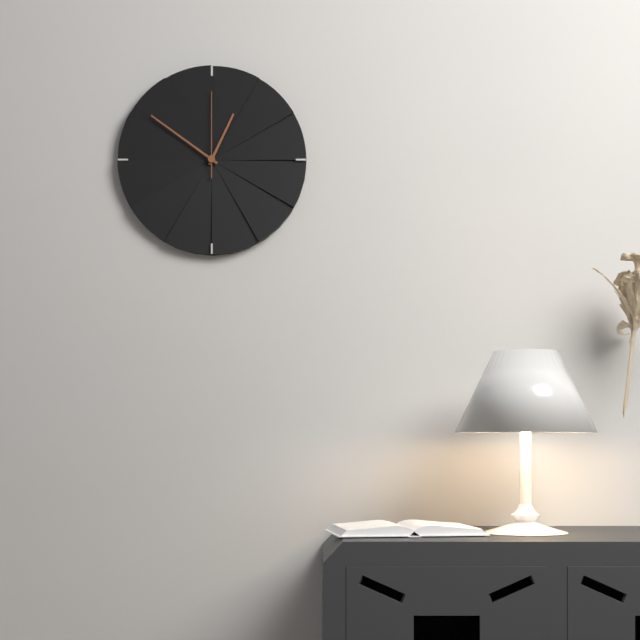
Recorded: 12.51.00
